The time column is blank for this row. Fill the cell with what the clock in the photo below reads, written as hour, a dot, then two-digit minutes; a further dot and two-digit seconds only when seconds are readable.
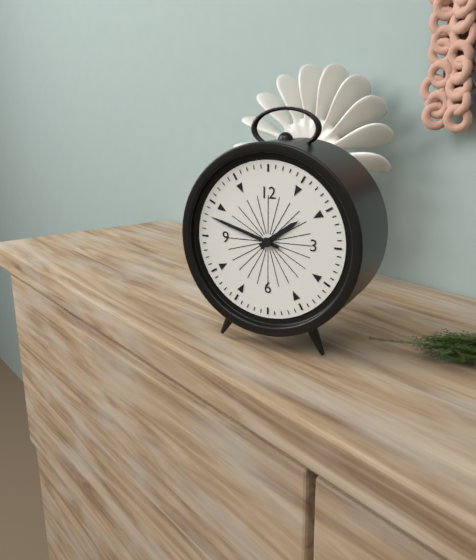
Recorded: 1.48
